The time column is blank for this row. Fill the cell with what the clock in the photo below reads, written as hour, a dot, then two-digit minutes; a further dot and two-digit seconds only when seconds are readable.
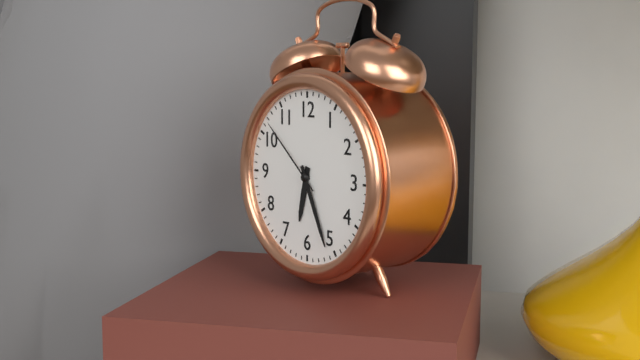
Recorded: 6.26.52
